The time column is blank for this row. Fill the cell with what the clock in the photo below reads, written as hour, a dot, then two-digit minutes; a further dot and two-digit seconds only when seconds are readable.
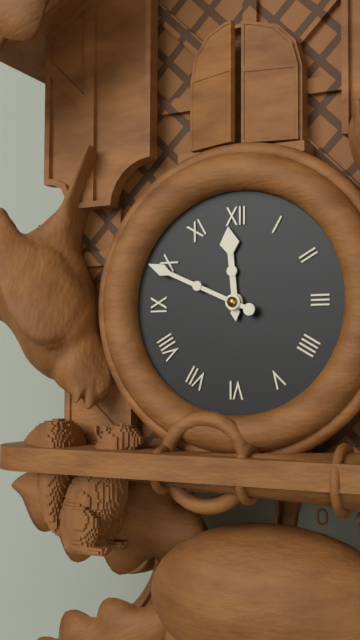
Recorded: 11.49
